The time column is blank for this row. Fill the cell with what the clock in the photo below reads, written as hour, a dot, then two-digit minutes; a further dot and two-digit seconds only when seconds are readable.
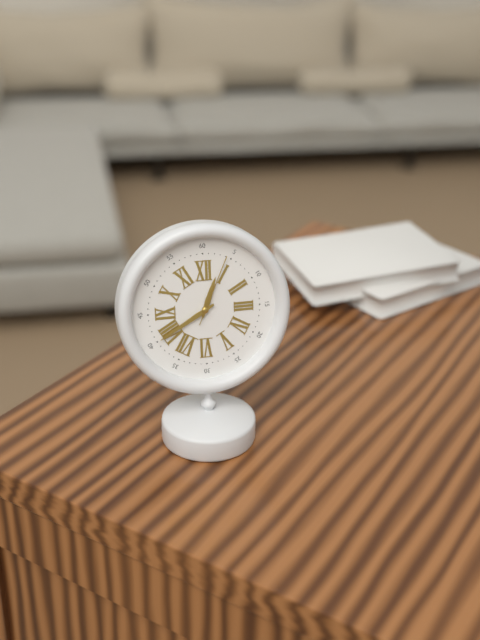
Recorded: 12.40.04
